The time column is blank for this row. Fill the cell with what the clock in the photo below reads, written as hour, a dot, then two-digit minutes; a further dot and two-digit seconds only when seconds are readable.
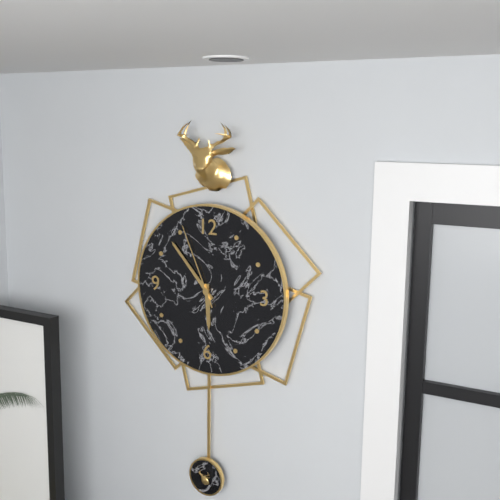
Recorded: 5.53.56
